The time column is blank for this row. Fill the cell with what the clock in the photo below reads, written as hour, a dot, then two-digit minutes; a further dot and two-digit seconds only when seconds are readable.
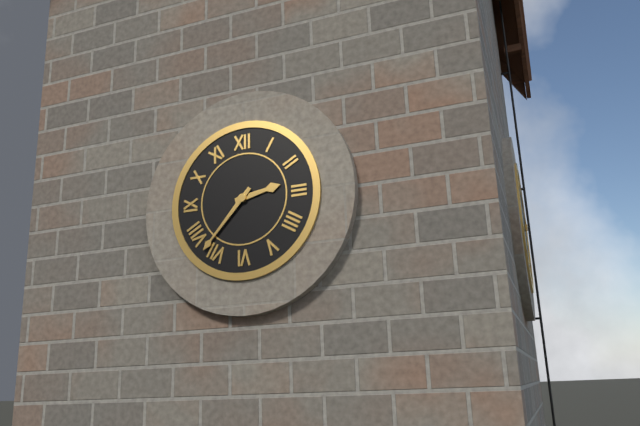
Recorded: 2.37
